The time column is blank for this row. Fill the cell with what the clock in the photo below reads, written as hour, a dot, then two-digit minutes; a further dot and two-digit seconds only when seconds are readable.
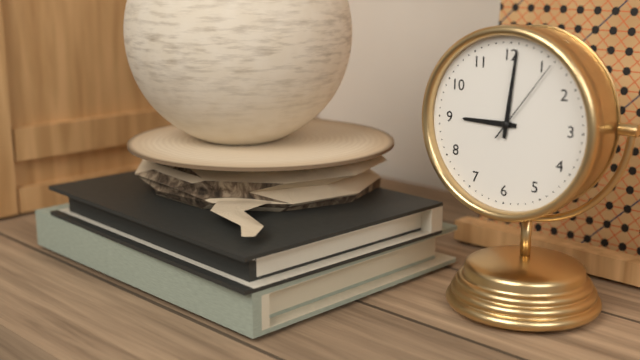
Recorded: 9.01.06
